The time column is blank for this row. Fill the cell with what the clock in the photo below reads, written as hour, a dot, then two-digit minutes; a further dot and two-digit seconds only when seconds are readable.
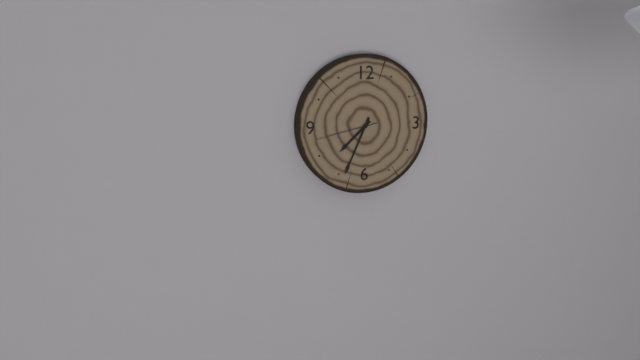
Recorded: 7.34.43
